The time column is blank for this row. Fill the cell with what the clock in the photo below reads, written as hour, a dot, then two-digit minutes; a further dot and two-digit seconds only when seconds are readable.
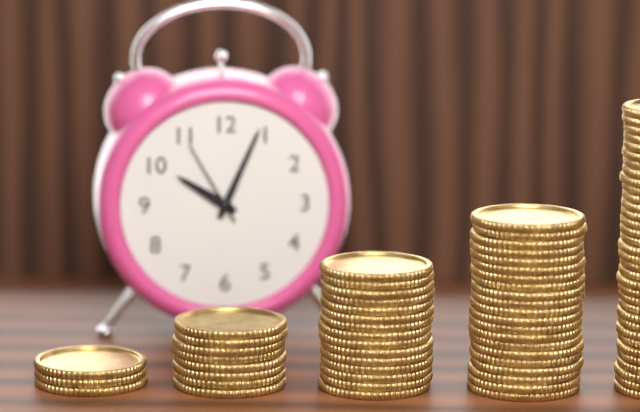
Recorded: 10.04.55
